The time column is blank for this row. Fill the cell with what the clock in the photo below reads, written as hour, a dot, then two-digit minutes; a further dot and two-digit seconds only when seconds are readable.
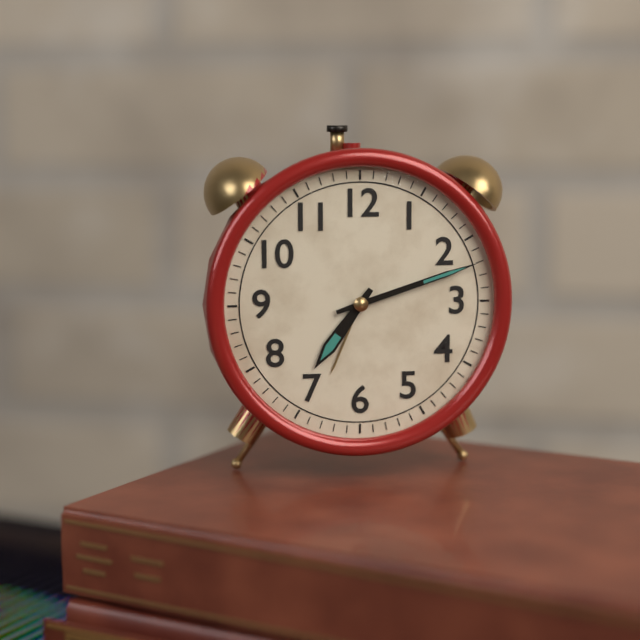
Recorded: 7.12
